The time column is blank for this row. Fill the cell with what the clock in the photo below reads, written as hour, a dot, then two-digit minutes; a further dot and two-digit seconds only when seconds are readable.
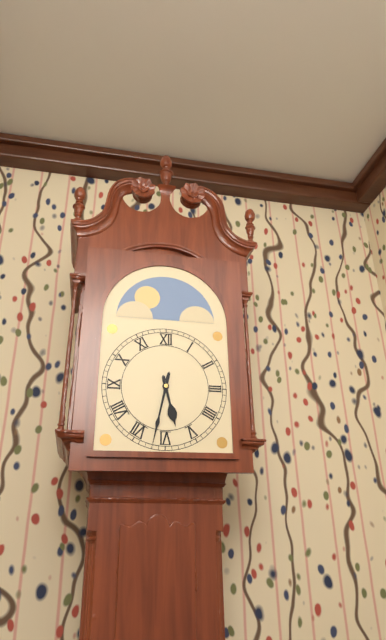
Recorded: 5.32
